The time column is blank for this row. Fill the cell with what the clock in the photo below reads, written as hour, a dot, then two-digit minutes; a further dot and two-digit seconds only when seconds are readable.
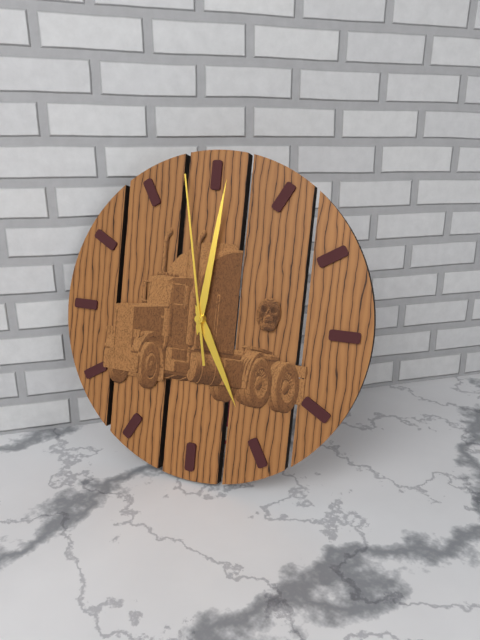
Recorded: 5.01.58
